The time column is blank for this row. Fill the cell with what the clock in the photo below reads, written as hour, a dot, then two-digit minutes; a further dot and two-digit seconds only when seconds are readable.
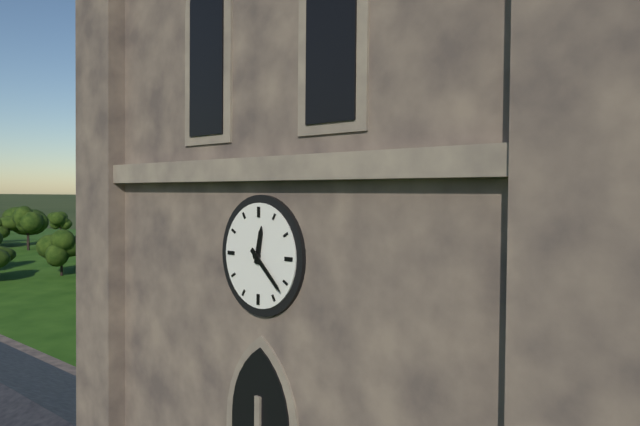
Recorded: 12.22
